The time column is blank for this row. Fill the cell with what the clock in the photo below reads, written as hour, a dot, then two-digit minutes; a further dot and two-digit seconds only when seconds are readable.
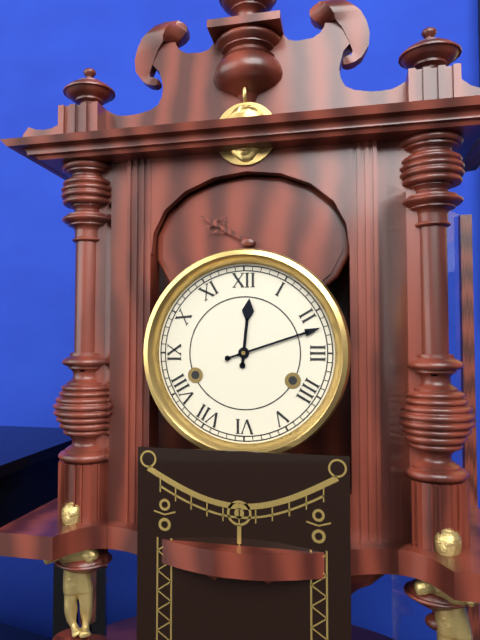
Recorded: 12.12
